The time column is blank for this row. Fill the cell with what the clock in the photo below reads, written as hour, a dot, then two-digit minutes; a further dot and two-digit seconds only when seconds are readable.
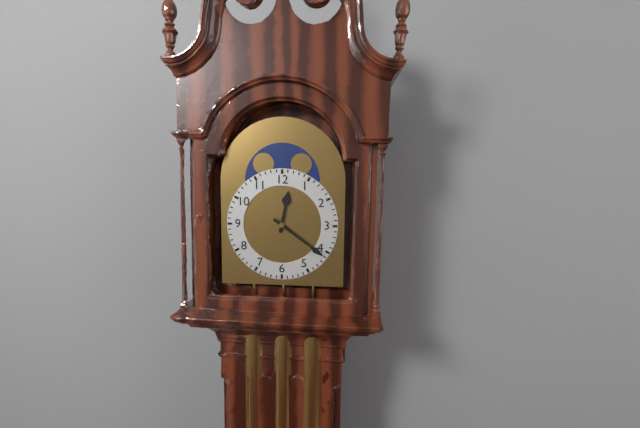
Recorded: 12.21
